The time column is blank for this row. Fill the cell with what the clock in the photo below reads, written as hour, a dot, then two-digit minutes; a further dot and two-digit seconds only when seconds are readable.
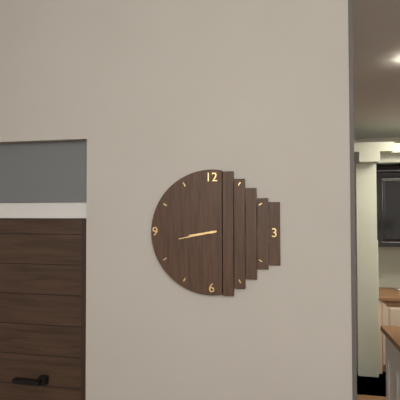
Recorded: 8.43
